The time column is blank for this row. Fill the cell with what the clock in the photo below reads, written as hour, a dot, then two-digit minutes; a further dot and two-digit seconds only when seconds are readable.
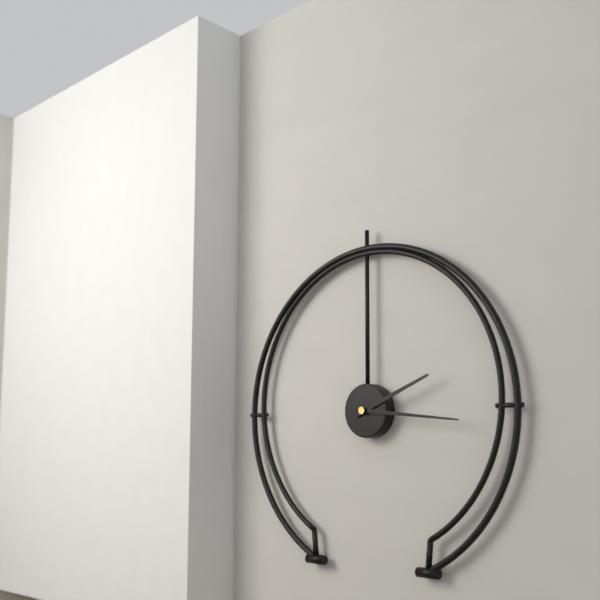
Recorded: 2.16
